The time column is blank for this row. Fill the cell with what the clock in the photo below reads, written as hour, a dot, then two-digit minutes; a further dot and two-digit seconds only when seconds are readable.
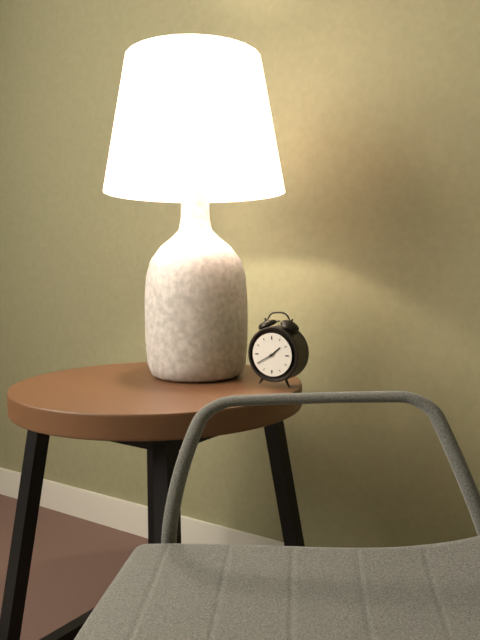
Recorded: 1.40
